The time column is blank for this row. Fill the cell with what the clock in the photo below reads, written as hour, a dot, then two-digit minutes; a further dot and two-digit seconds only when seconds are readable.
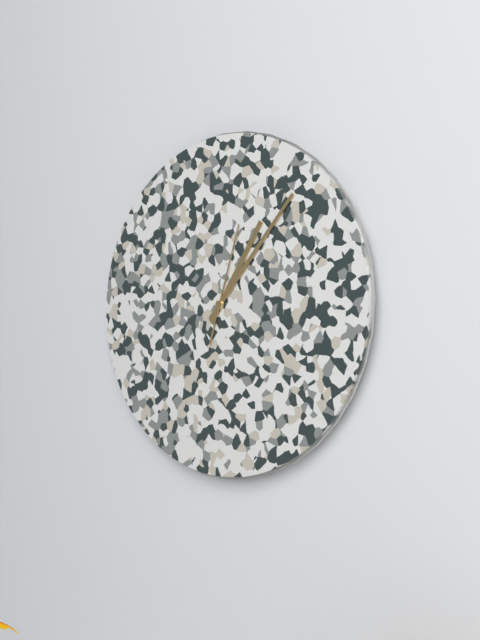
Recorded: 1.07.03
